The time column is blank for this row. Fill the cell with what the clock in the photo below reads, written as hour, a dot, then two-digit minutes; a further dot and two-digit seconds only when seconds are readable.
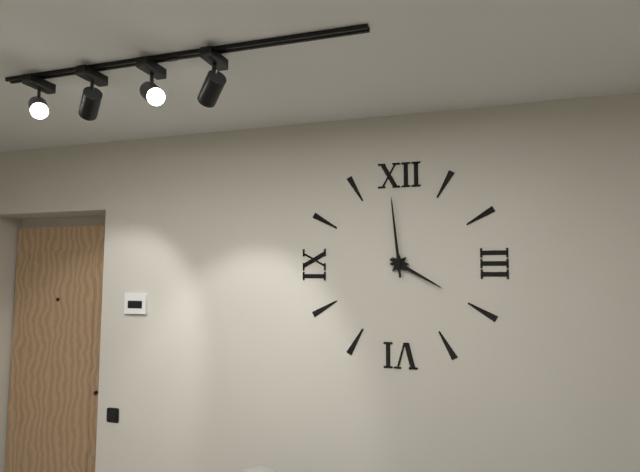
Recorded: 3.59
